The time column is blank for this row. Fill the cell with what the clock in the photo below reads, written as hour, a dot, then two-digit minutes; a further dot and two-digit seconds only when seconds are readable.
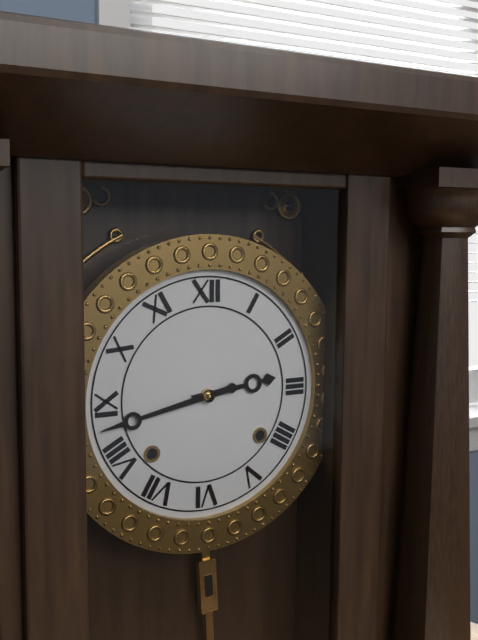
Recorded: 2.43
